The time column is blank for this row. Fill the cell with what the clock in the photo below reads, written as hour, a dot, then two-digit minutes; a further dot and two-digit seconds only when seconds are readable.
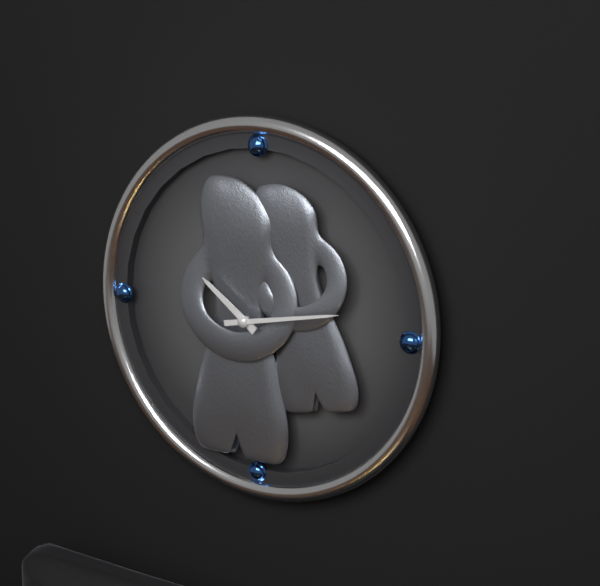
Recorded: 10.13
